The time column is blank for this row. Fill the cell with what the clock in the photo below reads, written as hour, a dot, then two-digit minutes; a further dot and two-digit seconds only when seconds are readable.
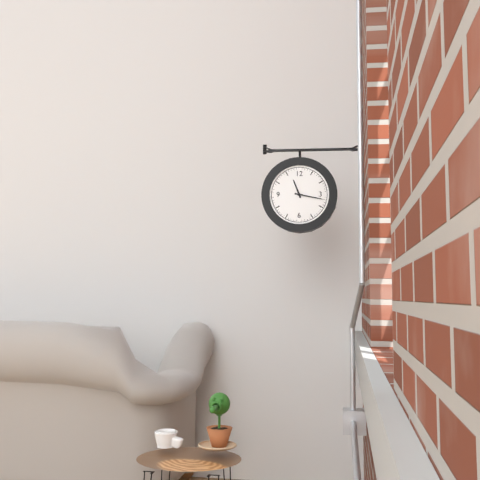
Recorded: 11.17
